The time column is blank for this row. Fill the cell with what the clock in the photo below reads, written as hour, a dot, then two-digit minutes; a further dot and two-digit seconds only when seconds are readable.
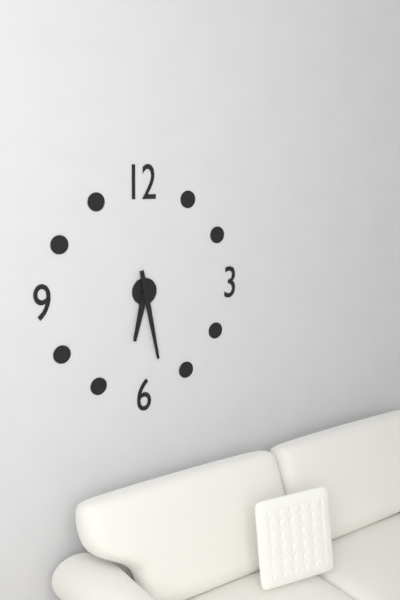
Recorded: 6.28
